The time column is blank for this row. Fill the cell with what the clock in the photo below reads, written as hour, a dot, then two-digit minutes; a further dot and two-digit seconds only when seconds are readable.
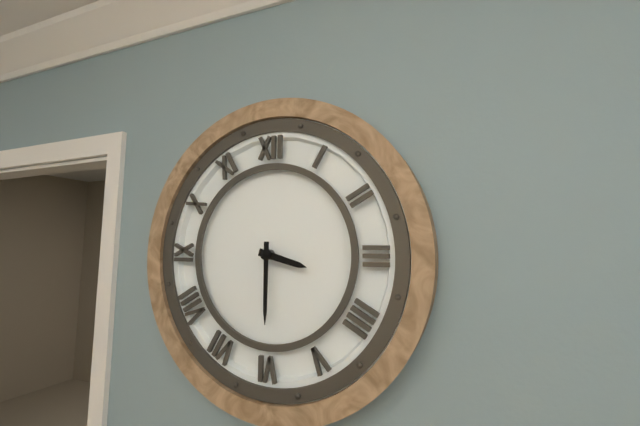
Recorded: 3.30
